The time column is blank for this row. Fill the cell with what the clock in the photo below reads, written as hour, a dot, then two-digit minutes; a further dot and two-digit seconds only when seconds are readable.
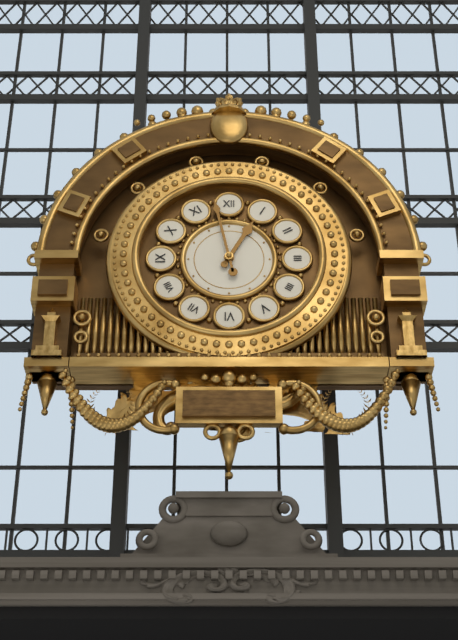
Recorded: 12.58
